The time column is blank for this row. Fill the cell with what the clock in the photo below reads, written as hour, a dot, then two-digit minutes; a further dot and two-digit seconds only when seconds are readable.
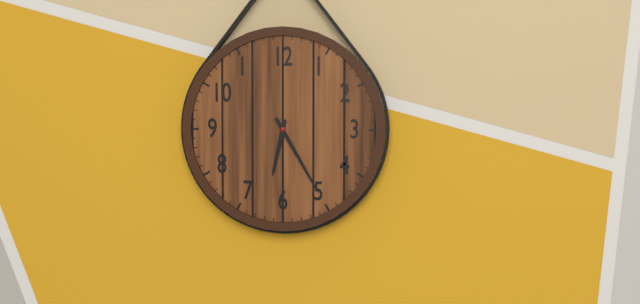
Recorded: 6.25
